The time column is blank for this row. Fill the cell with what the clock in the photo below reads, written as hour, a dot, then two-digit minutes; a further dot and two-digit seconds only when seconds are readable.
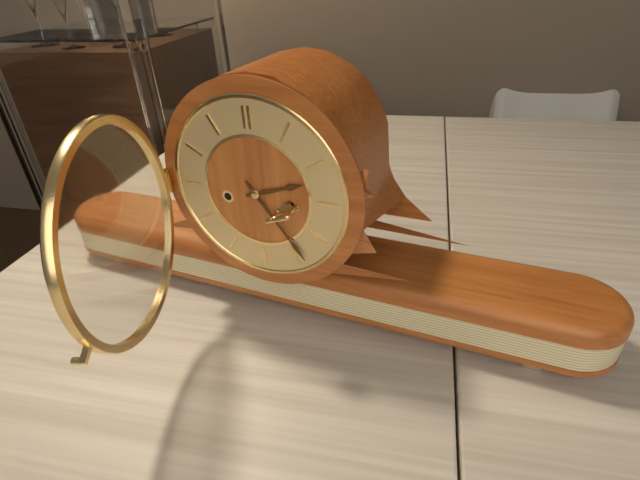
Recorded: 2.24
